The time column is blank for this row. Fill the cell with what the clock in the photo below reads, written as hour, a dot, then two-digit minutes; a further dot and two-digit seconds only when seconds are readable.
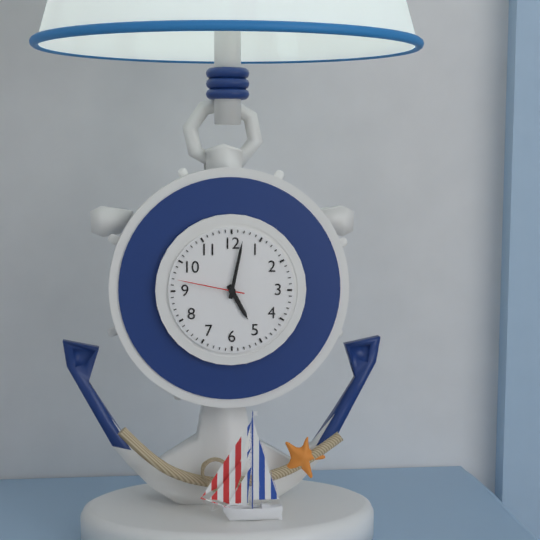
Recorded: 5.02.47
